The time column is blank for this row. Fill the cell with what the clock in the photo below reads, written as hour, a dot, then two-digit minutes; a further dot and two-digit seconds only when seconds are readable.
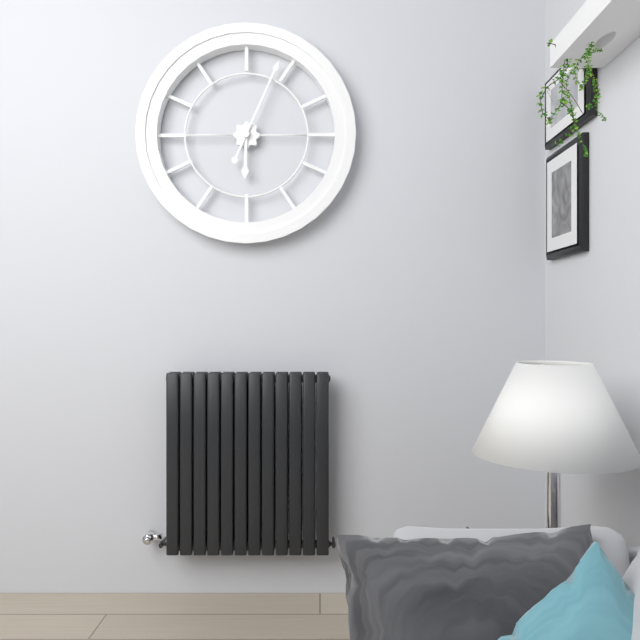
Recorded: 6.04
